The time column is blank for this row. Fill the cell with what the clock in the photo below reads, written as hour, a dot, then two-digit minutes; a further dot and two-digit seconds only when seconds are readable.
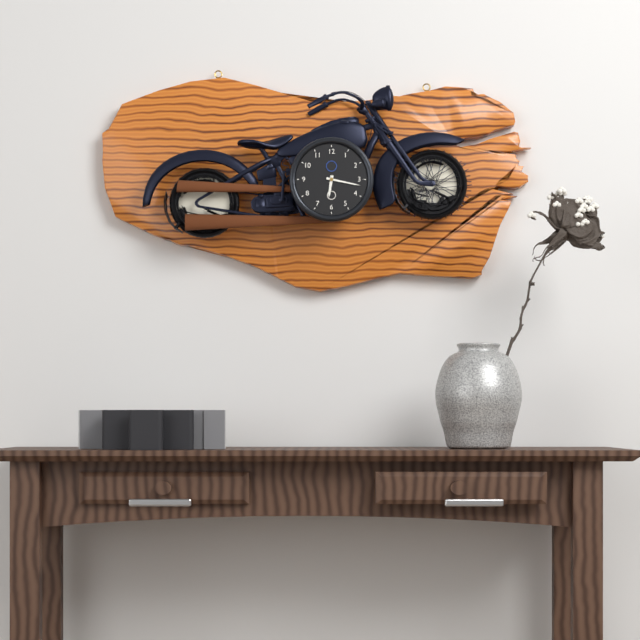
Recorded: 6.17
